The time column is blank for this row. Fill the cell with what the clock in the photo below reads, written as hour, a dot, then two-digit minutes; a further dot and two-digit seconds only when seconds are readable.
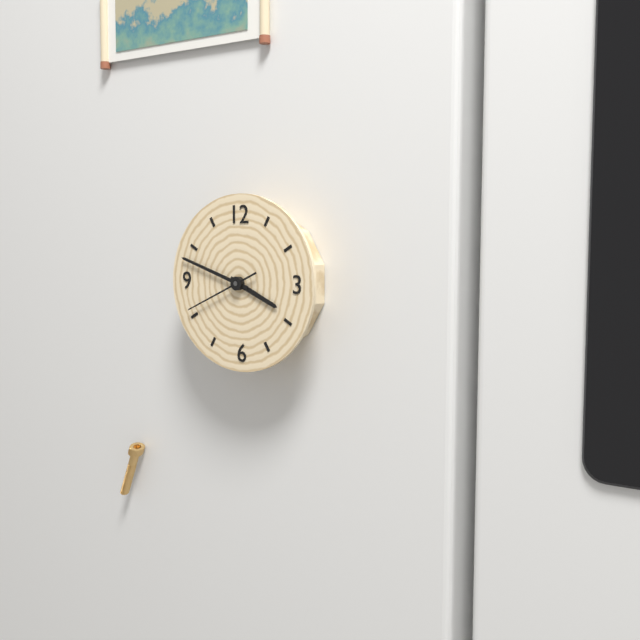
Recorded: 3.48.41
